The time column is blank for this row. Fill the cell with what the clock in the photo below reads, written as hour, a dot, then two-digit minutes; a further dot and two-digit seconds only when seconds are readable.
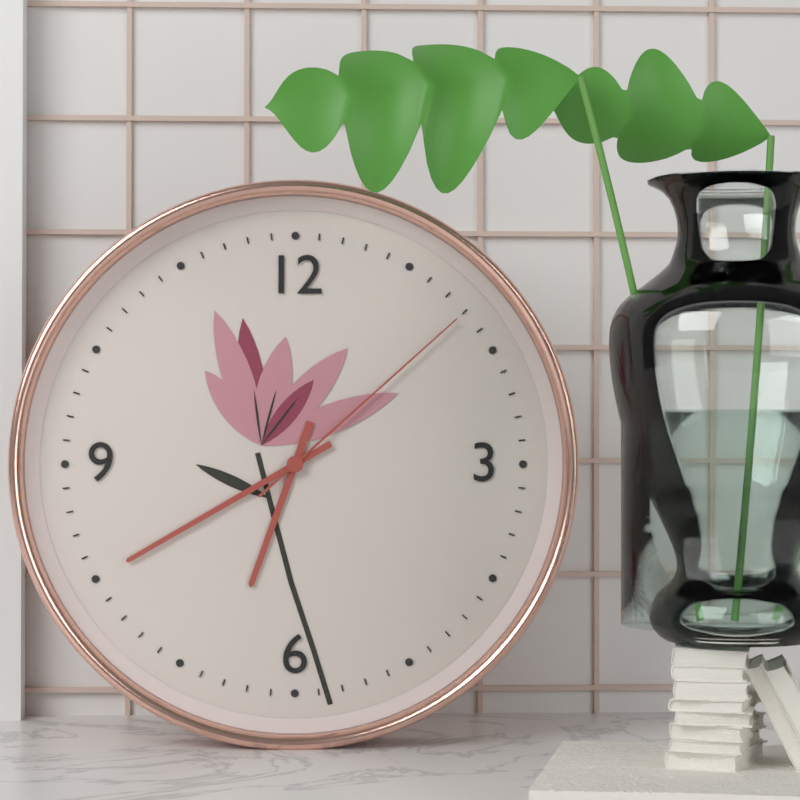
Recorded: 6.40.08
